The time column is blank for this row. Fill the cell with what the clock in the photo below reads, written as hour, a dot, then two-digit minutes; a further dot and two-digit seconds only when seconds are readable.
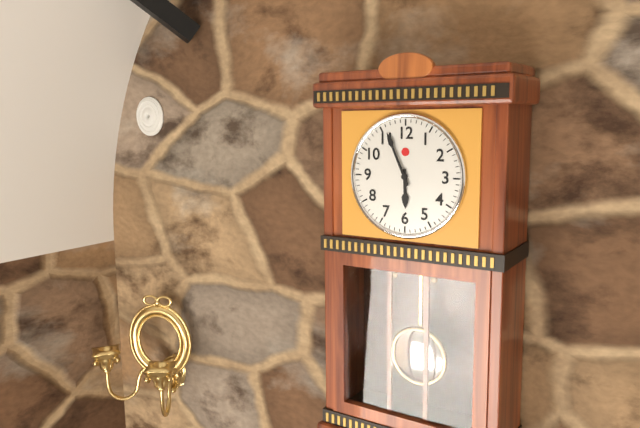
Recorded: 5.56
